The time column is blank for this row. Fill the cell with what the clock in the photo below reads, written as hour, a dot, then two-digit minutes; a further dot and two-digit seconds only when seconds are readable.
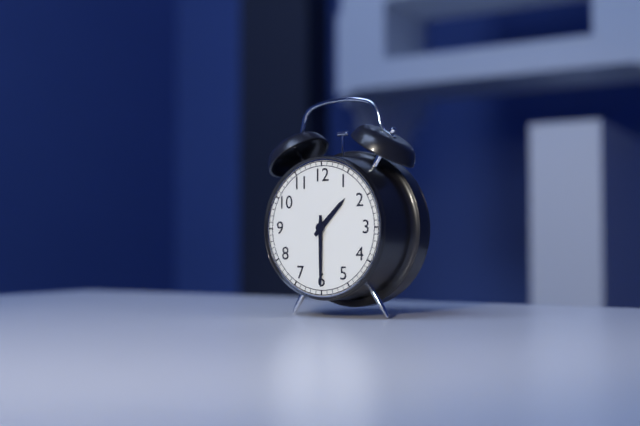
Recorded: 1.30
